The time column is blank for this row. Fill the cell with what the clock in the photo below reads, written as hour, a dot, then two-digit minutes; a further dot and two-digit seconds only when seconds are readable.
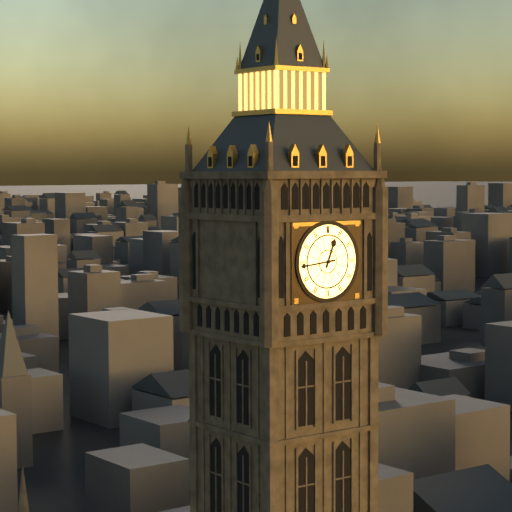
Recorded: 12.44
